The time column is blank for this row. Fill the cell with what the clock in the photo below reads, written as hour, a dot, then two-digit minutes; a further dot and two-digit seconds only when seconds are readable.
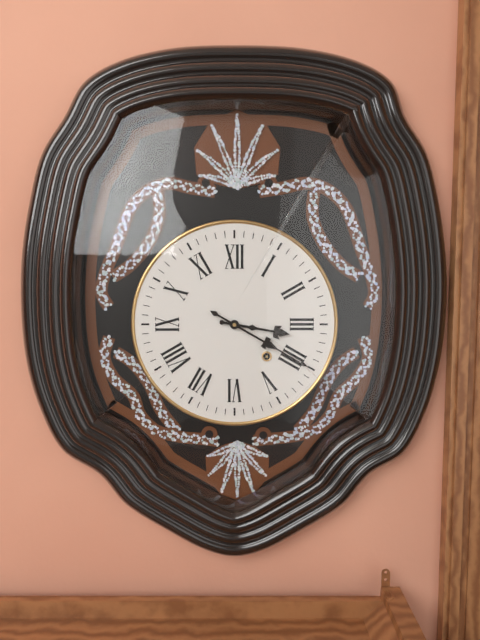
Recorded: 3.20
